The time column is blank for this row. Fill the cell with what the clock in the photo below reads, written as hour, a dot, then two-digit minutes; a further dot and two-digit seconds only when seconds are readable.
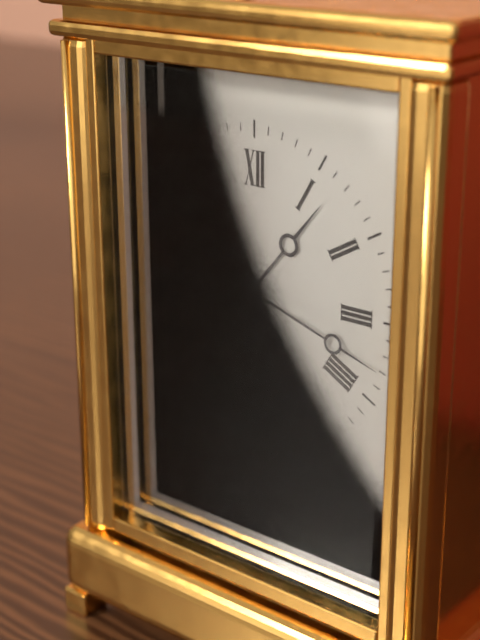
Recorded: 1.18
